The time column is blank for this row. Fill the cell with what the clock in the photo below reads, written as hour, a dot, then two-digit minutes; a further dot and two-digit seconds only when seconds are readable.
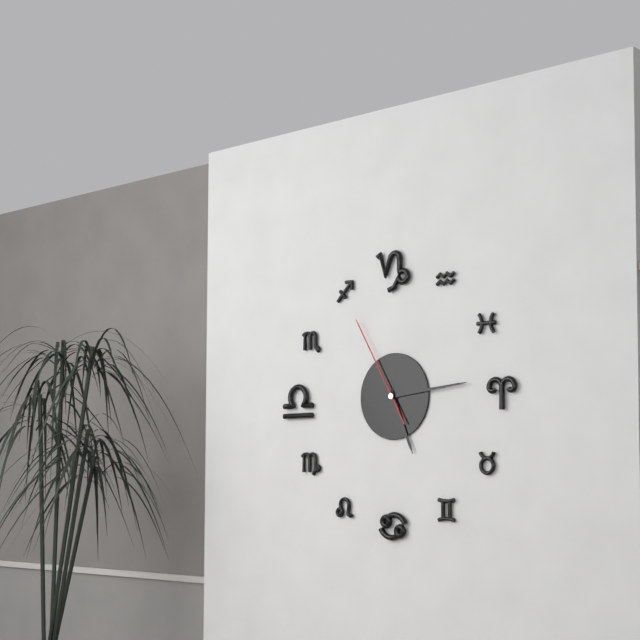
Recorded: 5.14.55
